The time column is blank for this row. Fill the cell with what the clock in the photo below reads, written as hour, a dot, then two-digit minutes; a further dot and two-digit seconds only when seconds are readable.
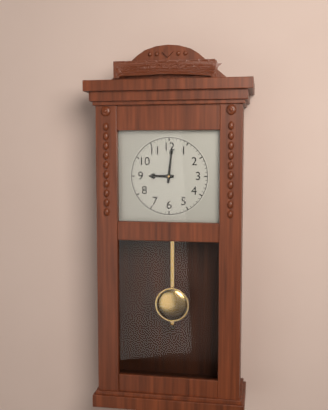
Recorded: 9.01
